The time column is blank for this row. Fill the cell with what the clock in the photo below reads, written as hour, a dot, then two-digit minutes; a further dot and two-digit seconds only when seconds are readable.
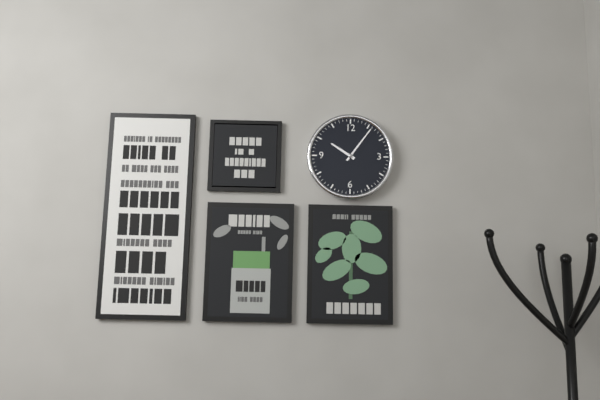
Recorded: 10.06
